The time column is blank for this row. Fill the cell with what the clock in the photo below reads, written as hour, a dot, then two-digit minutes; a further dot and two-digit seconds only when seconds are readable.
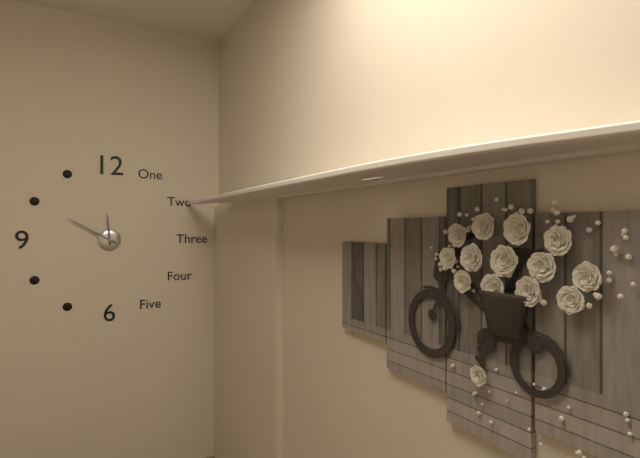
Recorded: 11.50
